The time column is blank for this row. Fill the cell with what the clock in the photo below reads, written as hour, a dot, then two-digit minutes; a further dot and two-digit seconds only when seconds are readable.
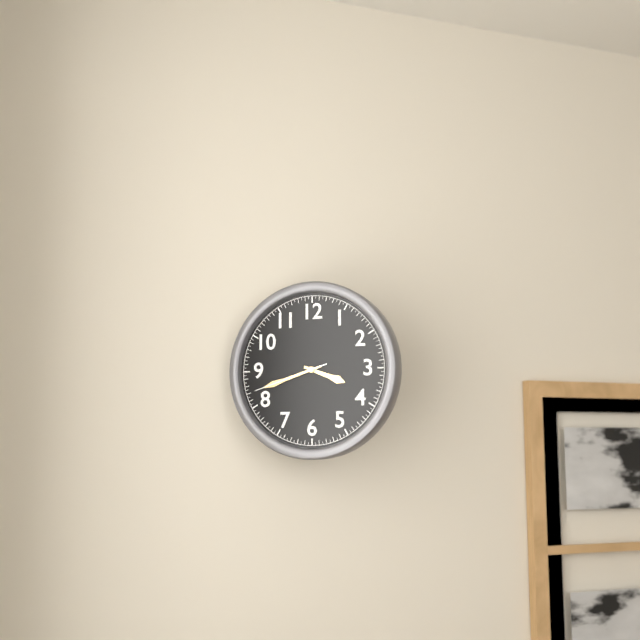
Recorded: 3.42.42
